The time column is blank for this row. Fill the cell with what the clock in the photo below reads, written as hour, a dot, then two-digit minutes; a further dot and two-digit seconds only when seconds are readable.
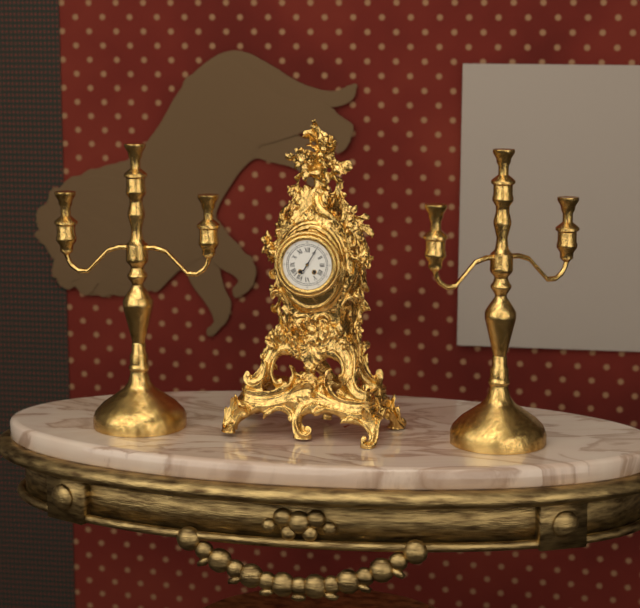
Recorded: 7.05
